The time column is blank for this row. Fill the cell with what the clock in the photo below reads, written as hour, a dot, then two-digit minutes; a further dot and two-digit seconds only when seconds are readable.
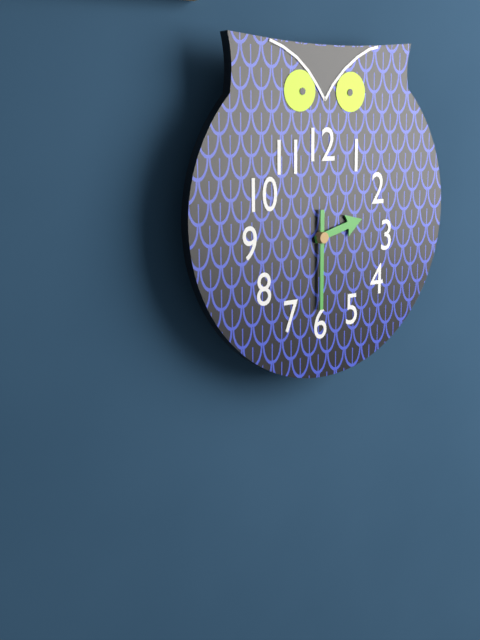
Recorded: 2.30
